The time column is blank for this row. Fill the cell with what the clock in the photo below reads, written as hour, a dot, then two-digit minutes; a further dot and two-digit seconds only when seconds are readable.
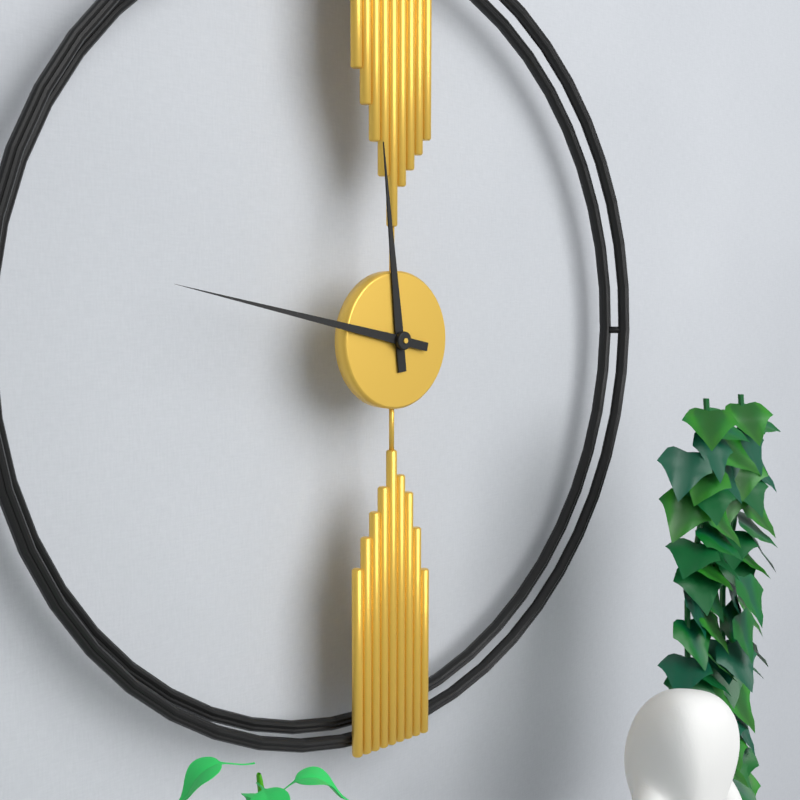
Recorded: 11.47
